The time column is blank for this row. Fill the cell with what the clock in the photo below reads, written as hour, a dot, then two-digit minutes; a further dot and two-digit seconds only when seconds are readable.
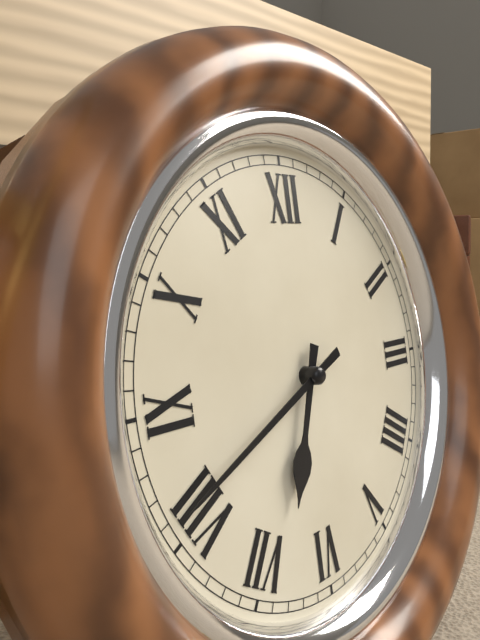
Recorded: 6.41
